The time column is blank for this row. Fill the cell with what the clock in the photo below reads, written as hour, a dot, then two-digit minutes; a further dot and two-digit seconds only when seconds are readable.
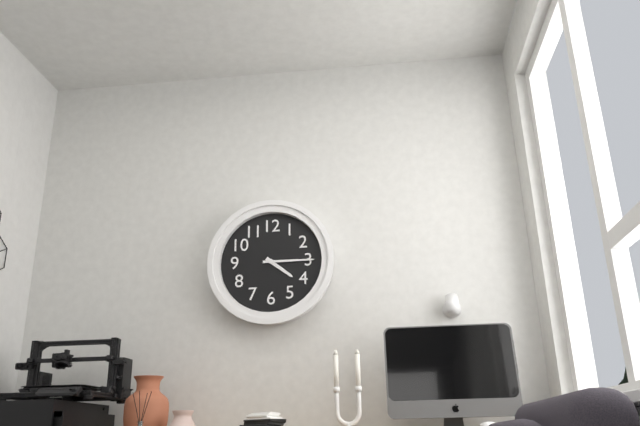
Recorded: 4.15
